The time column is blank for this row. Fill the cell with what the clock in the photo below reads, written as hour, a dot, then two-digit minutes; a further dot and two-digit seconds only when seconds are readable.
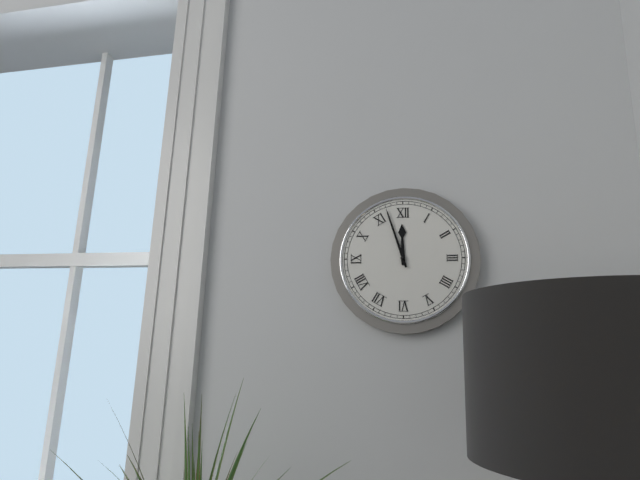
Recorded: 11.57
